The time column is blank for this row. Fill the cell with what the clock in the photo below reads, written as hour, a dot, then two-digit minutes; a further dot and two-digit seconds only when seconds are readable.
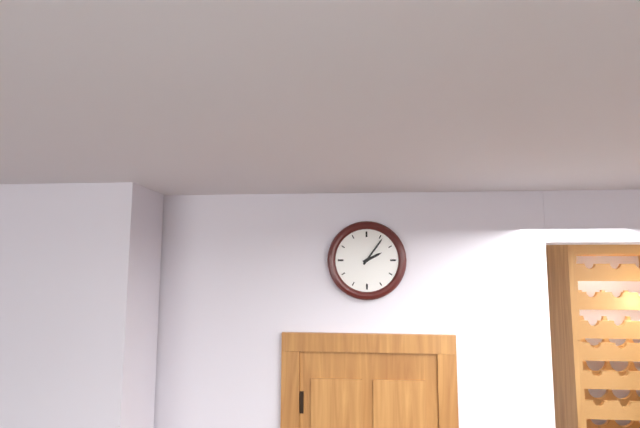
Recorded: 2.06
